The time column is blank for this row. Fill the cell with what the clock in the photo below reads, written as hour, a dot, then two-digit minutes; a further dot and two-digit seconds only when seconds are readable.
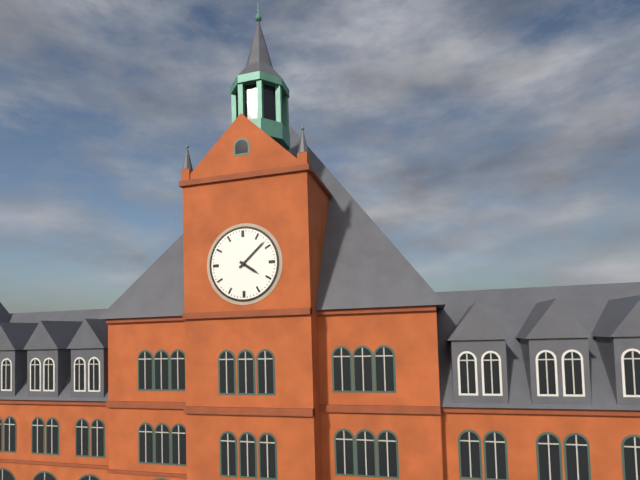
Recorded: 4.08
